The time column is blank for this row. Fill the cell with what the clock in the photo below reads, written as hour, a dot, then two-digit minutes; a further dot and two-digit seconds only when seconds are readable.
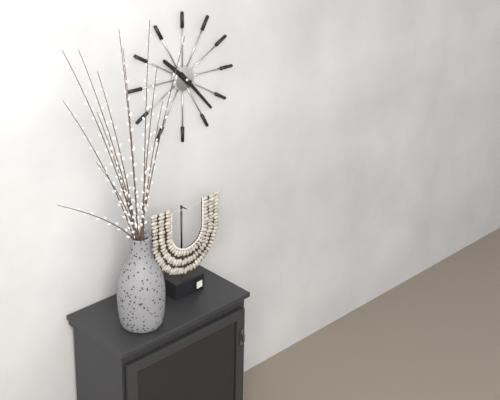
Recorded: 10.23
